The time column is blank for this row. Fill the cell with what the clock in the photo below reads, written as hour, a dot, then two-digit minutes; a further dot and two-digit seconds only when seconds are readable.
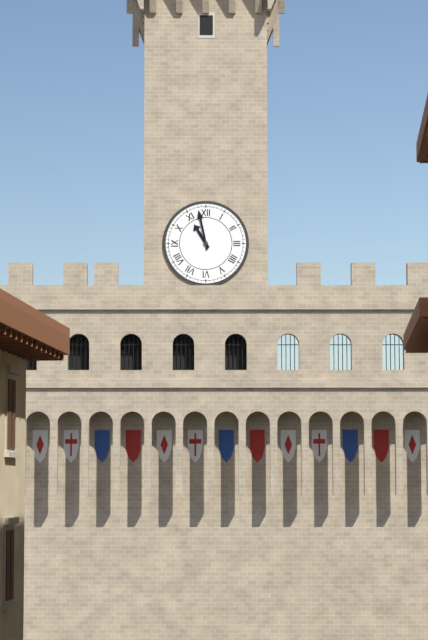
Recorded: 10.58
